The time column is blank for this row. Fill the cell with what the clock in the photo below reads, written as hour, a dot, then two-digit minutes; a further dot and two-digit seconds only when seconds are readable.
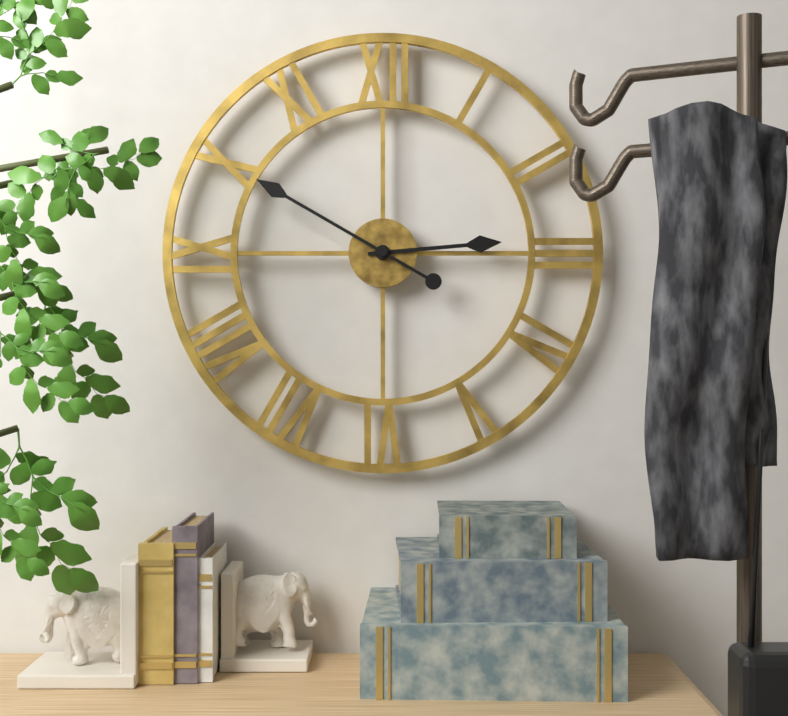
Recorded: 2.50
